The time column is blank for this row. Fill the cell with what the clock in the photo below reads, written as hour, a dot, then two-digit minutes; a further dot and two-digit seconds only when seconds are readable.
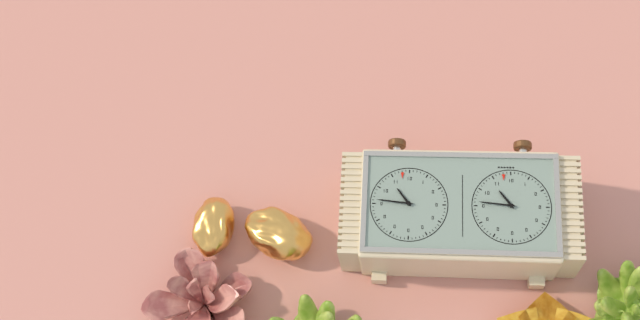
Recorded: 10.46
